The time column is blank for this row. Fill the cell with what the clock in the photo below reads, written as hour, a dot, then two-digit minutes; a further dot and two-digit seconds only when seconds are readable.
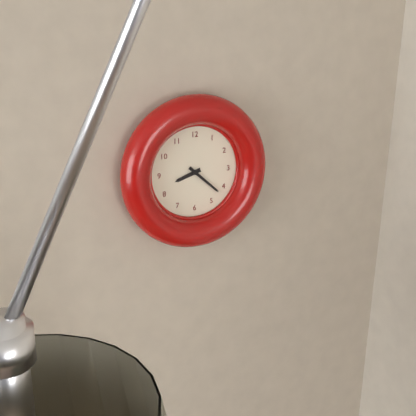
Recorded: 8.22
